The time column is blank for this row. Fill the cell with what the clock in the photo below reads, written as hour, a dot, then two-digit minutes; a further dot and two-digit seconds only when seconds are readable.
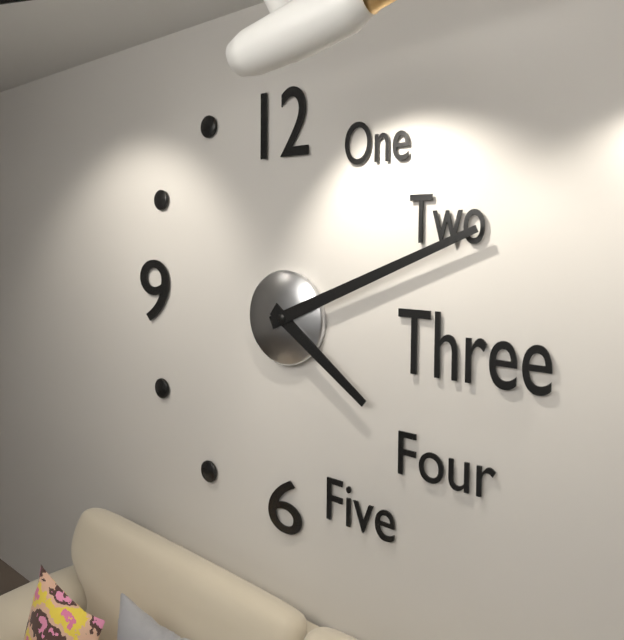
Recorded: 4.11
